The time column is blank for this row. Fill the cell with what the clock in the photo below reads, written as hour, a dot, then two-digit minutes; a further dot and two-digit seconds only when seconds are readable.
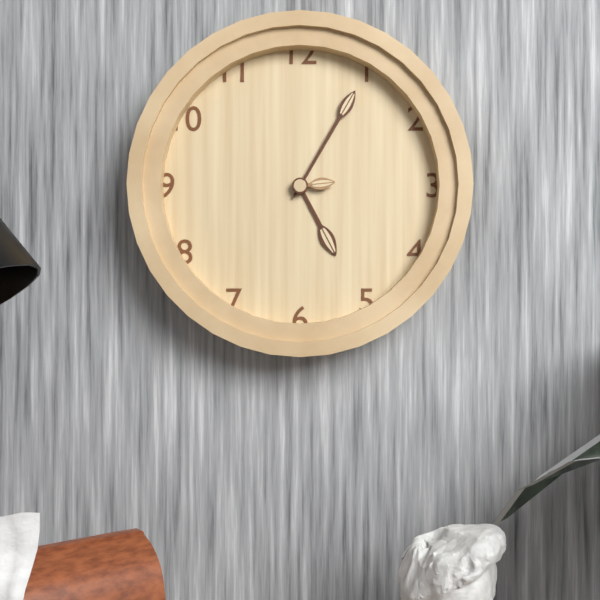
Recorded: 5.05
